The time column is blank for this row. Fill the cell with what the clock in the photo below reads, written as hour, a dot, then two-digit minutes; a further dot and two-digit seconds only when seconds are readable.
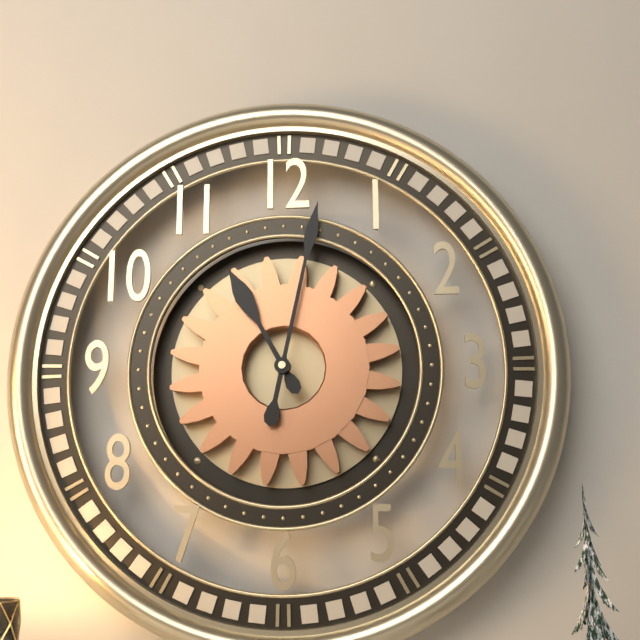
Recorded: 11.02
